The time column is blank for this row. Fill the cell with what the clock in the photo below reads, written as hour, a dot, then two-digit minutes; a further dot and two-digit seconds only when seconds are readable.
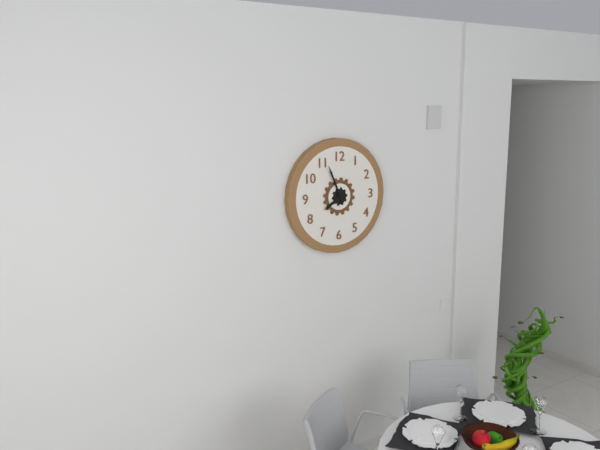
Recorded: 7.56
